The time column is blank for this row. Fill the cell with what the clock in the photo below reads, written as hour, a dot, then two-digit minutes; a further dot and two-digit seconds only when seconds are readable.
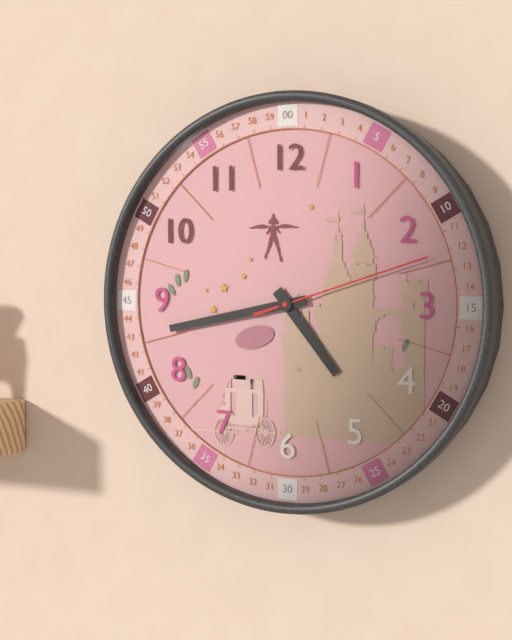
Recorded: 4.43.12
